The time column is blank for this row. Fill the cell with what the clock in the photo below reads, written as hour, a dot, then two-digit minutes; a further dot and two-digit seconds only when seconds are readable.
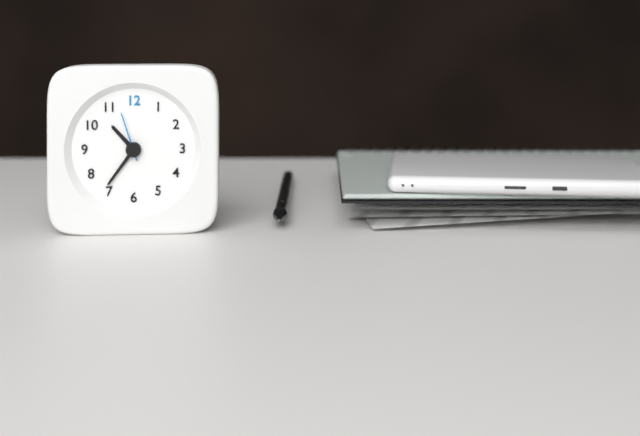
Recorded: 10.36.57
